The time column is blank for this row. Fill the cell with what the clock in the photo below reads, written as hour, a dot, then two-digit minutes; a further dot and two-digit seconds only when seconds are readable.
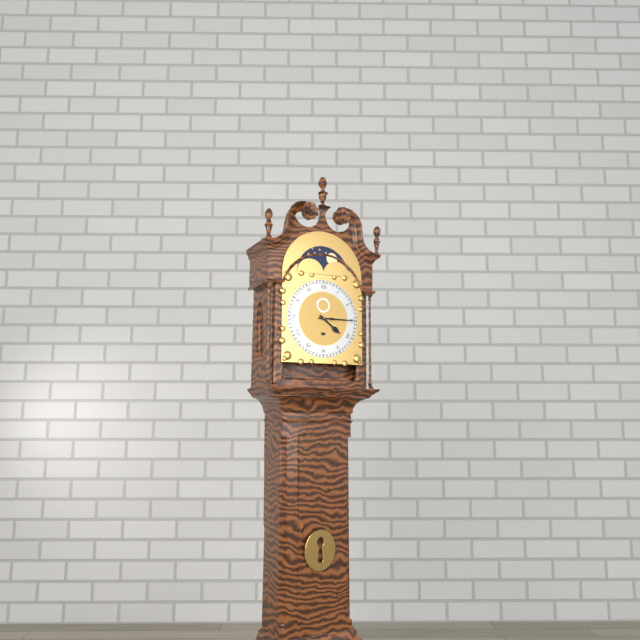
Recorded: 4.15
